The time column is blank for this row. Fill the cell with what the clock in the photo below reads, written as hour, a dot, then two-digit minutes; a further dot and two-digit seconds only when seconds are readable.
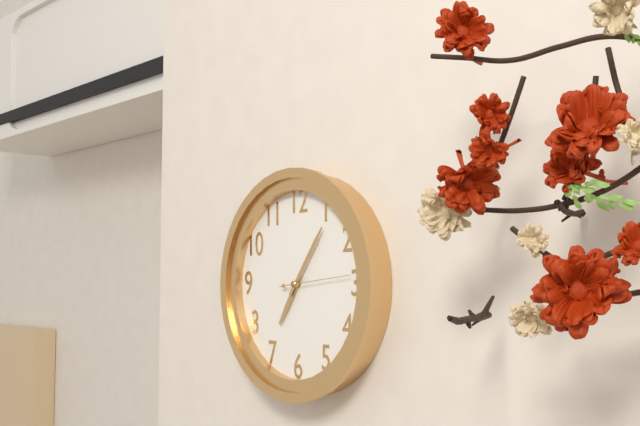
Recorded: 7.06
